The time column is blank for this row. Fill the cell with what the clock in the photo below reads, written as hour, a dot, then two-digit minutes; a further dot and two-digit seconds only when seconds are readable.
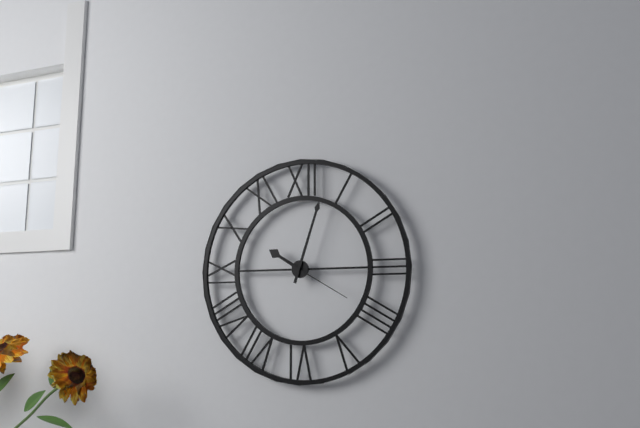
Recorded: 10.03.20
